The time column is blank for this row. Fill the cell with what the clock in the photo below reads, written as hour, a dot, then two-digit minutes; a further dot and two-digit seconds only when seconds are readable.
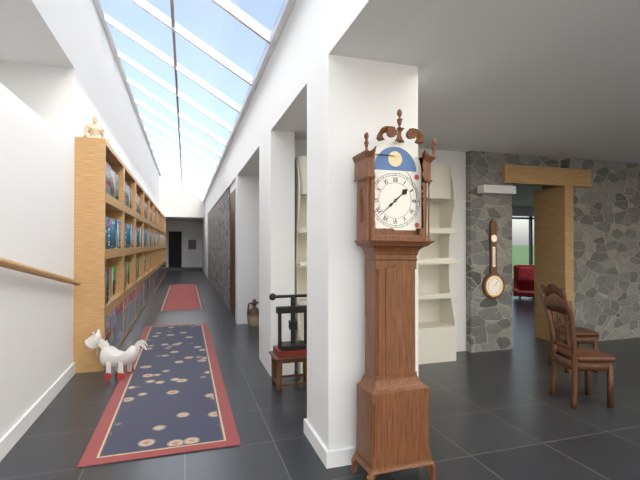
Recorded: 1.38
